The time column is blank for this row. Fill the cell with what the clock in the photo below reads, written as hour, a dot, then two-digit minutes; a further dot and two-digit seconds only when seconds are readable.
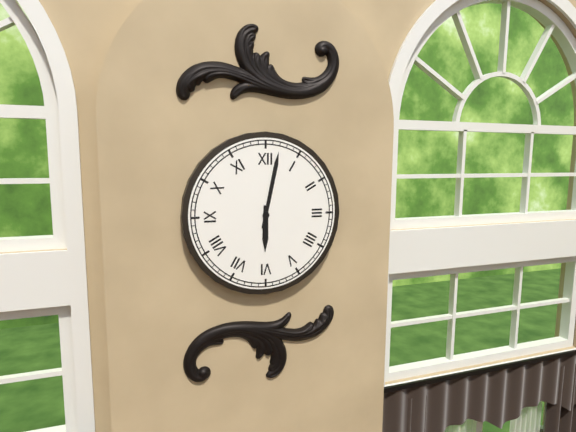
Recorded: 6.02
